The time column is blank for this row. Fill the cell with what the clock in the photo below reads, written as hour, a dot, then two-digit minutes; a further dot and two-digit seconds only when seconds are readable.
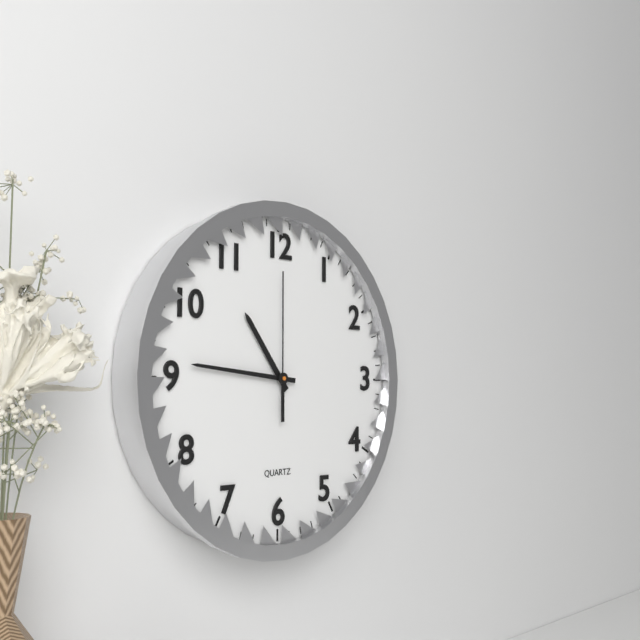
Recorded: 10.46.00
